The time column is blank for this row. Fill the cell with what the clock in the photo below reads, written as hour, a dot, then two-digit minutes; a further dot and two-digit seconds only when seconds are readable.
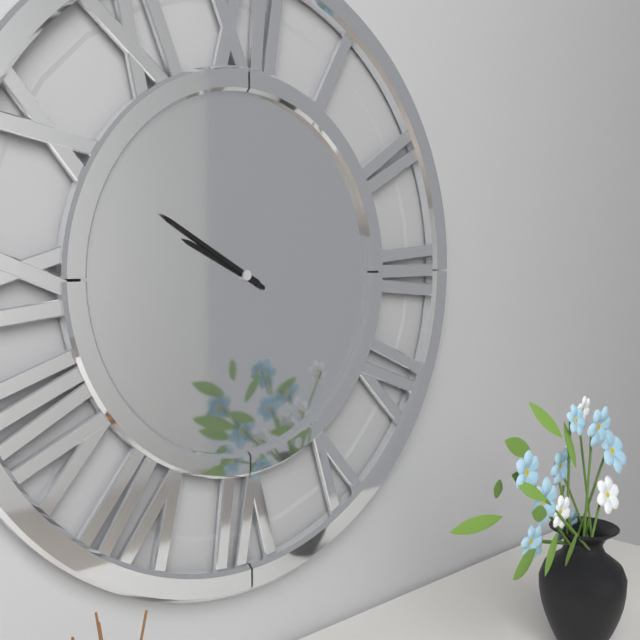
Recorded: 9.50
